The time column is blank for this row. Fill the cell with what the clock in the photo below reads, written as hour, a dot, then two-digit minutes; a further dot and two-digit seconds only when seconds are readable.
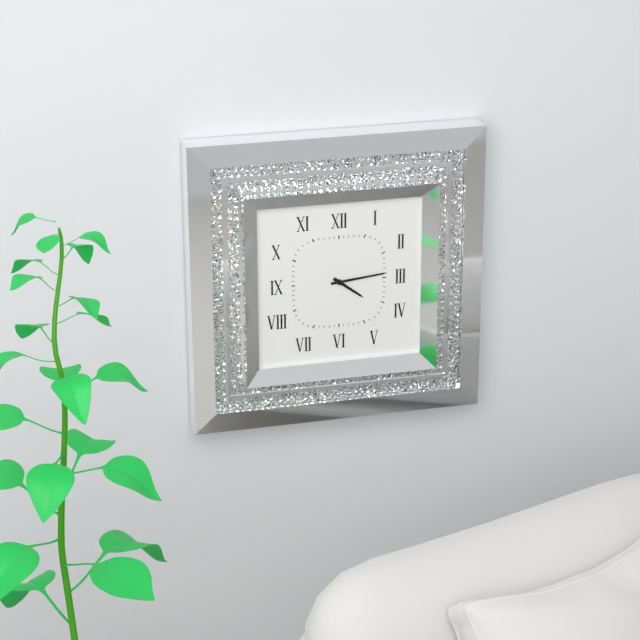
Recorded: 4.14
